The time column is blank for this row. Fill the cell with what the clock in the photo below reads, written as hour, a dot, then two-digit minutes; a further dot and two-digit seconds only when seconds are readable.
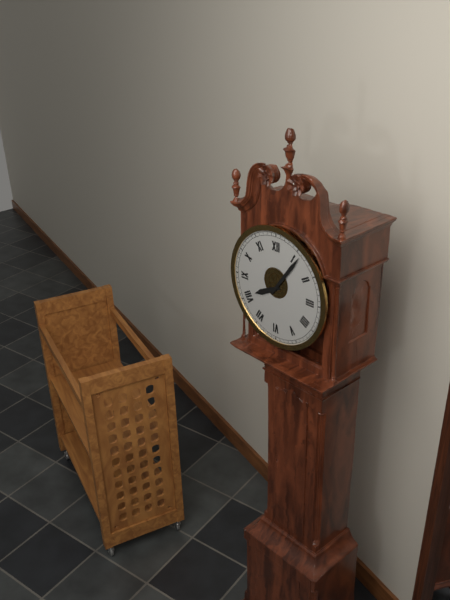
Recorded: 8.06
